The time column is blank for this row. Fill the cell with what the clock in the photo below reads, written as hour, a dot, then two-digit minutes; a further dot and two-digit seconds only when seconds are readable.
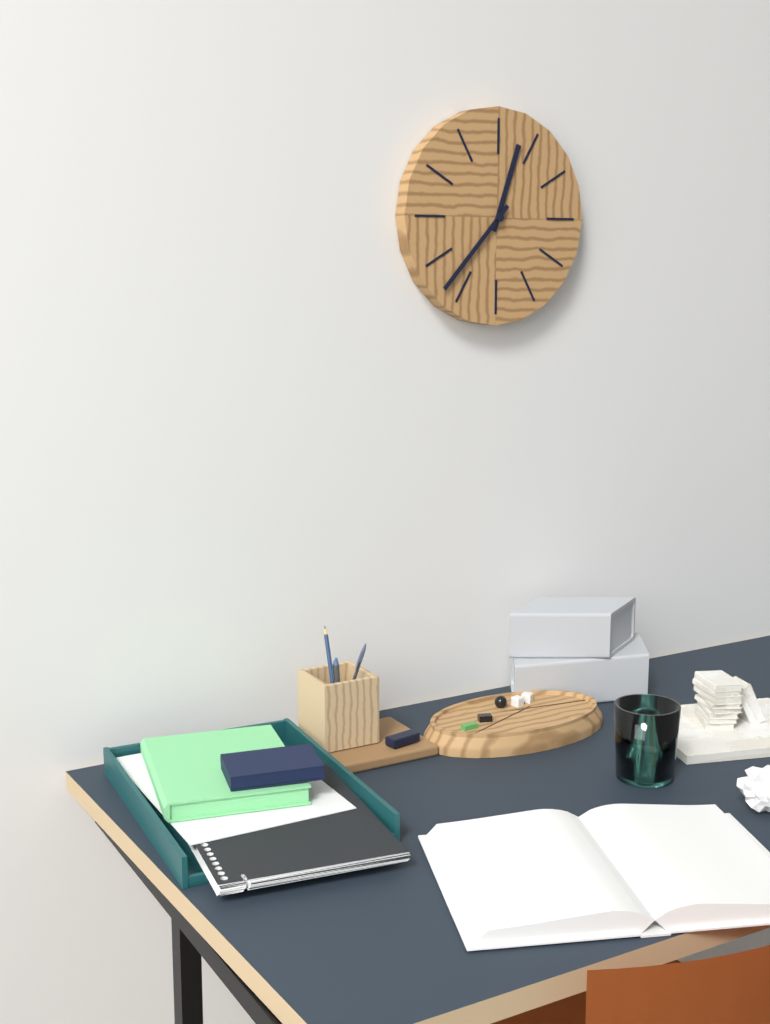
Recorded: 12.37
